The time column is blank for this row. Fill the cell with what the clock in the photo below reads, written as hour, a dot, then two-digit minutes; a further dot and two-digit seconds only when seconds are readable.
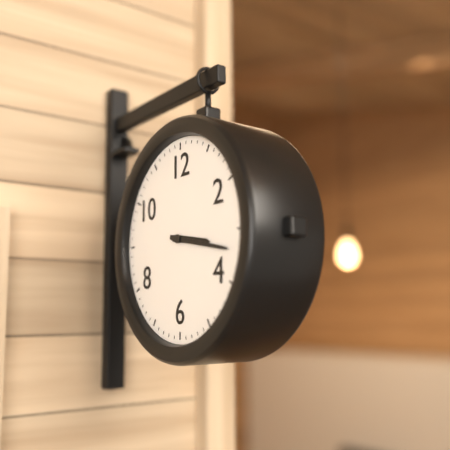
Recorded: 3.17
